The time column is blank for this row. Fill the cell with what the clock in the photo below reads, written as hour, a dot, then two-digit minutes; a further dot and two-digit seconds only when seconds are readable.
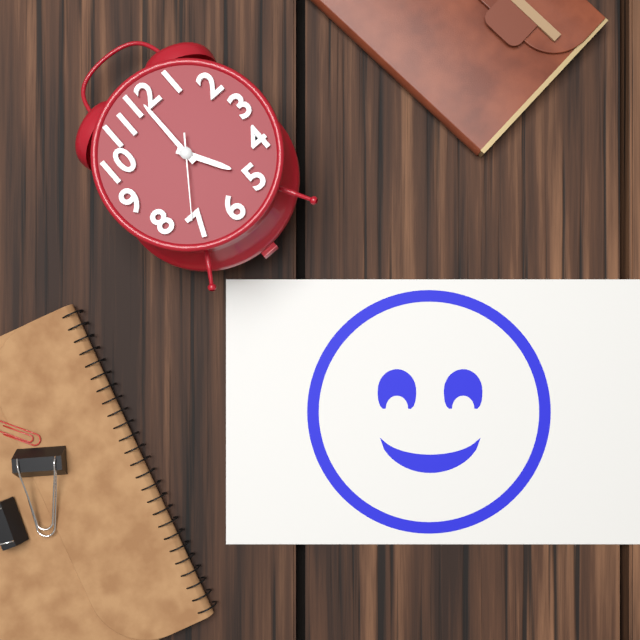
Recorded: 5.00.36
